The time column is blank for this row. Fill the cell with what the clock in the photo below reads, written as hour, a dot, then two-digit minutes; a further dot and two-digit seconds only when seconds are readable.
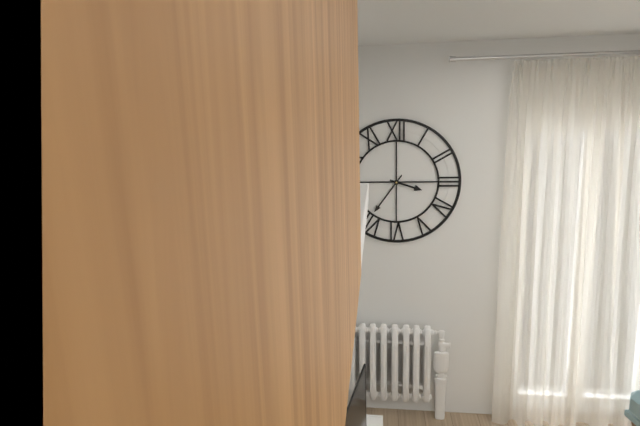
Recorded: 3.36
